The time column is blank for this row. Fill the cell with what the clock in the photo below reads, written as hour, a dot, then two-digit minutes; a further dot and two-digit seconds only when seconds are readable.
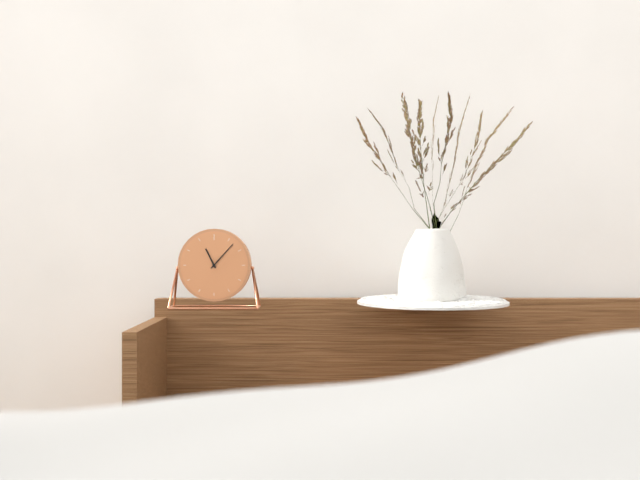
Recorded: 11.07
